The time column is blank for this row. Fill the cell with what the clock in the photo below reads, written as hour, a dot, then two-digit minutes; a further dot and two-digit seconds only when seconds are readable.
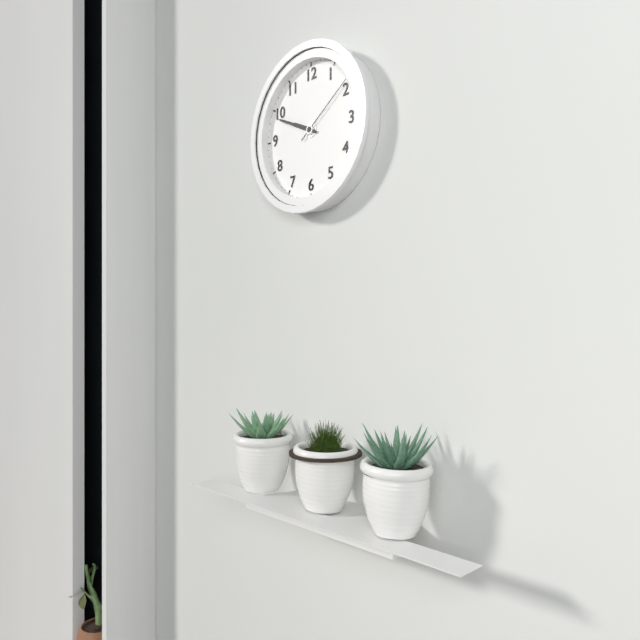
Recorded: 9.49.09
